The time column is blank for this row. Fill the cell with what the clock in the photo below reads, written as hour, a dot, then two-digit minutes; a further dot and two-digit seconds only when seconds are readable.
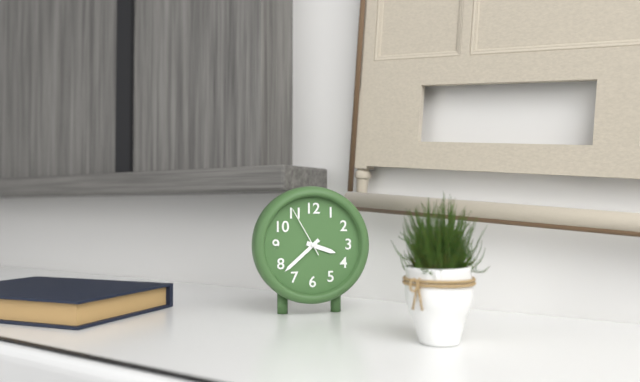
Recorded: 3.38.55
